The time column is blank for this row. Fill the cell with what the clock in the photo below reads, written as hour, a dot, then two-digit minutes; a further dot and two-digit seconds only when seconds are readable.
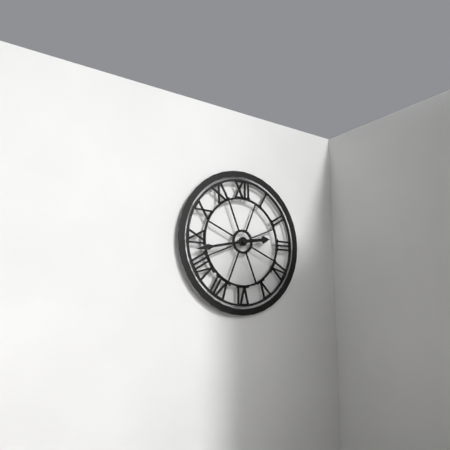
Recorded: 2.43
